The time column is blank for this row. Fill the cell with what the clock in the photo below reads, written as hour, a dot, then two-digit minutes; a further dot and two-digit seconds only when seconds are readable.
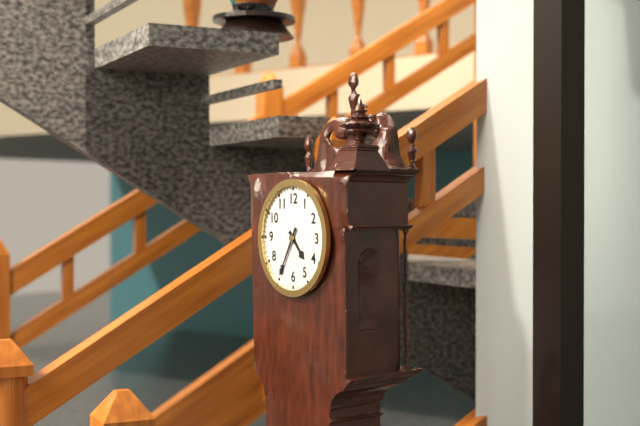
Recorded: 4.35
